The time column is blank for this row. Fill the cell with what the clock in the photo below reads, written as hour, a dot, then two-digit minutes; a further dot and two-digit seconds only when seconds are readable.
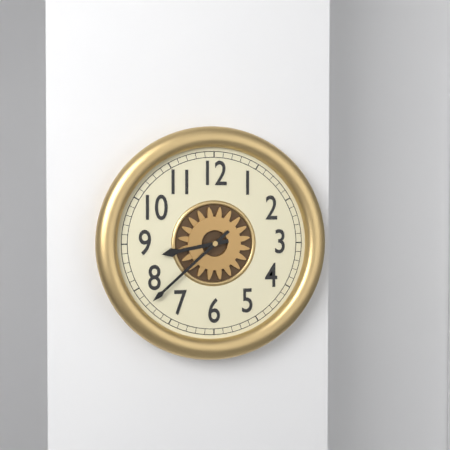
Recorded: 8.38
